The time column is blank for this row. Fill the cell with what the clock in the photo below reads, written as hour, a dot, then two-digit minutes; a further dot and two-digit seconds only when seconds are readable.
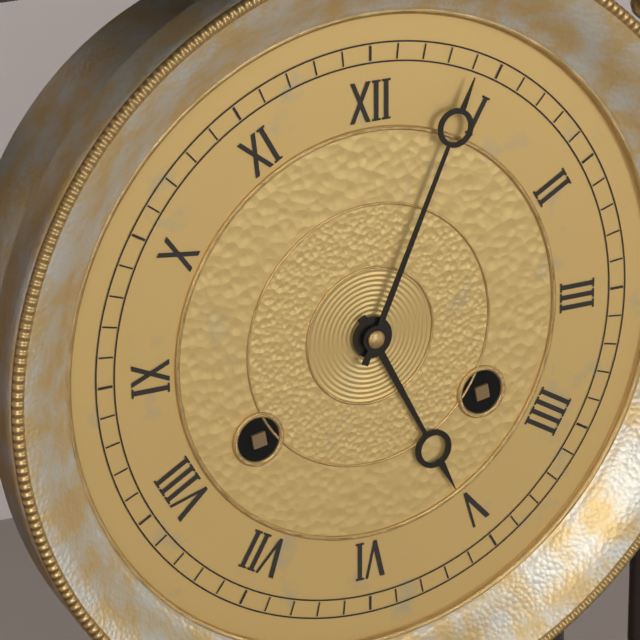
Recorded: 5.04
